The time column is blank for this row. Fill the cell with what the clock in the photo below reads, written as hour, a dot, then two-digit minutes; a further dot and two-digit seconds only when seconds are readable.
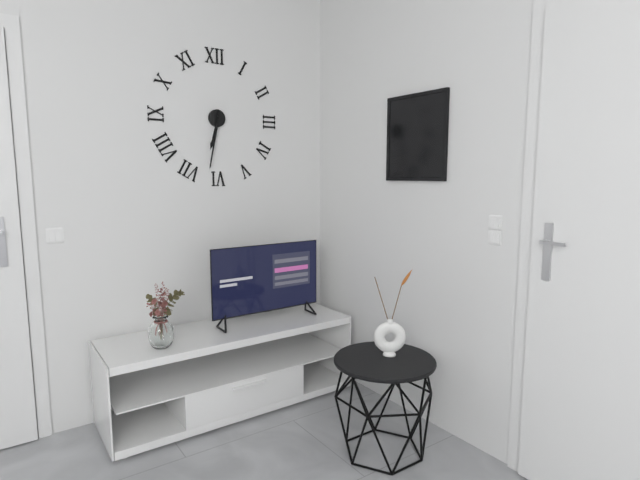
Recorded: 6.32
